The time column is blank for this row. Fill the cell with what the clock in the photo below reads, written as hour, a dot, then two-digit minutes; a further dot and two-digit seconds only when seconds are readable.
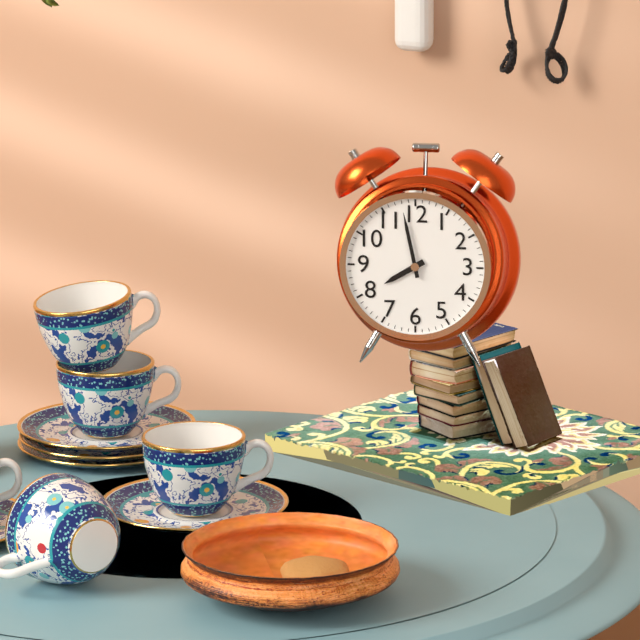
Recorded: 7.58
